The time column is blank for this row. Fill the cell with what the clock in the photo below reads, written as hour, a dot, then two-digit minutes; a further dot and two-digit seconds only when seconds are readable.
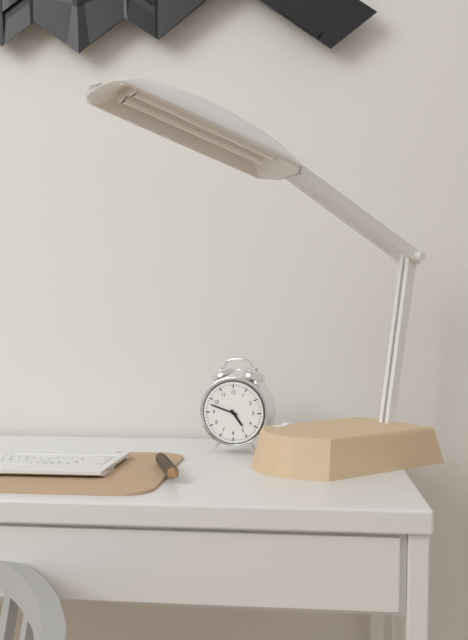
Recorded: 4.48
